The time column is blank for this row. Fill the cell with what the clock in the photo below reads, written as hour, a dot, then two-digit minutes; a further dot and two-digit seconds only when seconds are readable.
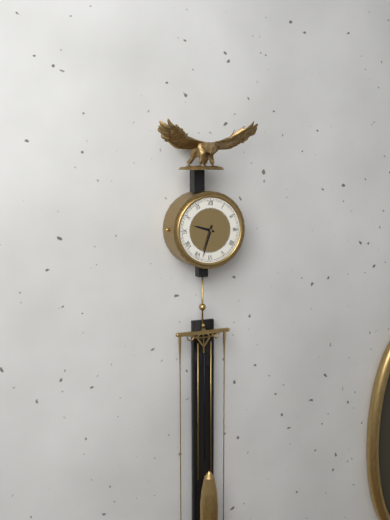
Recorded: 9.33
